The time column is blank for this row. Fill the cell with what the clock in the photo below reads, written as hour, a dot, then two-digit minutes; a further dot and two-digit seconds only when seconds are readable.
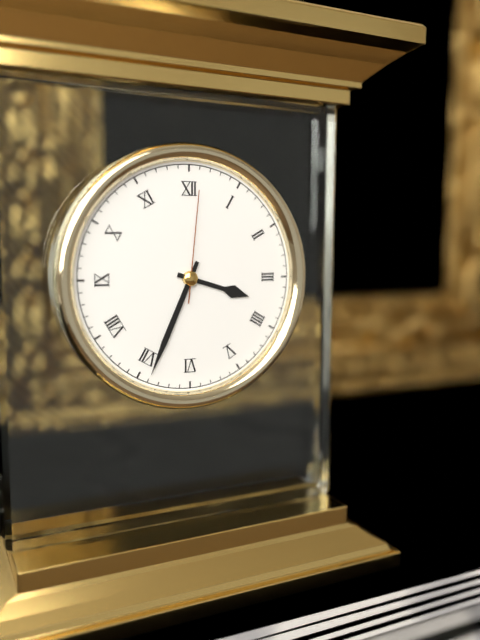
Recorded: 3.34.01
